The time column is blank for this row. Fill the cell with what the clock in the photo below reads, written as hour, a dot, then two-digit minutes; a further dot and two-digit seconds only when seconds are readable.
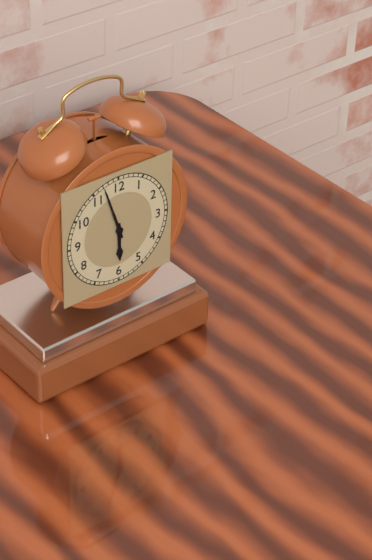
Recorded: 5.57
